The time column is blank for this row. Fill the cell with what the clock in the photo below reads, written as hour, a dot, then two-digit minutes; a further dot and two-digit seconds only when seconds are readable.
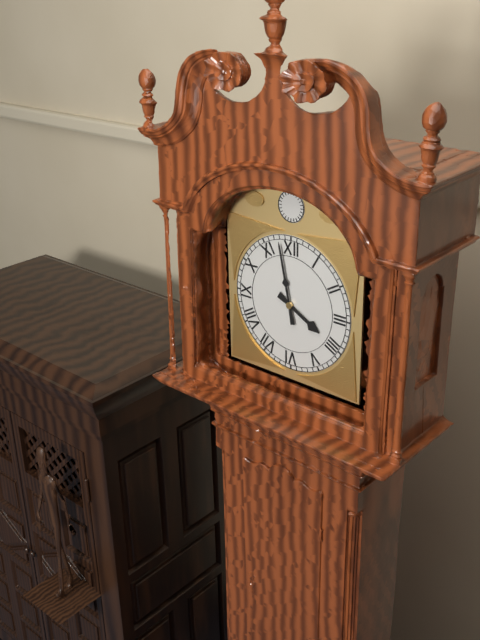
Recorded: 3.58
